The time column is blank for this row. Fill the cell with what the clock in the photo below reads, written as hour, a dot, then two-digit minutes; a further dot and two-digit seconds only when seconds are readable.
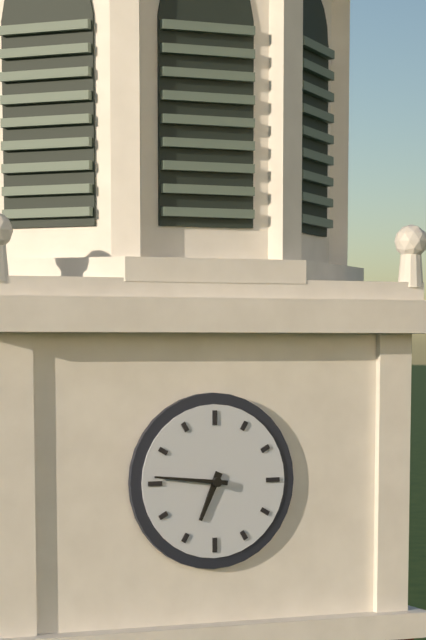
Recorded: 6.46
